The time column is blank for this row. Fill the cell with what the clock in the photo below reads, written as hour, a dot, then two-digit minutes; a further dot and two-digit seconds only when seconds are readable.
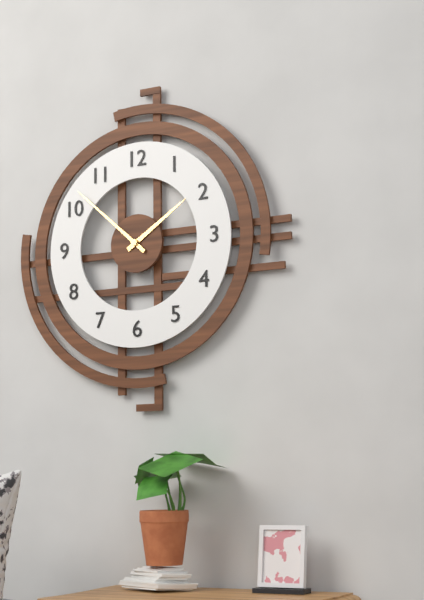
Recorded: 1.52
